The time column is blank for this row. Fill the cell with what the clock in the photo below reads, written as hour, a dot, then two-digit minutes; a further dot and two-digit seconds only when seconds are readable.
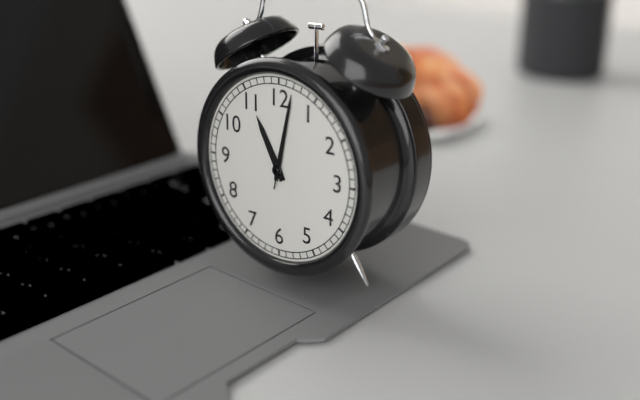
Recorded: 11.02.02
